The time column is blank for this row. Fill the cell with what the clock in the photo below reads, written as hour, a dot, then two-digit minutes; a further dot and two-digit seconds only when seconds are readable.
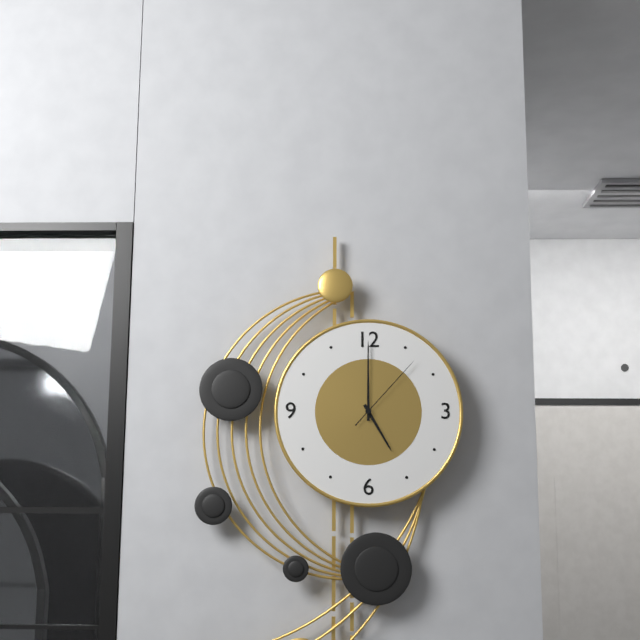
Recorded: 5.00.07
